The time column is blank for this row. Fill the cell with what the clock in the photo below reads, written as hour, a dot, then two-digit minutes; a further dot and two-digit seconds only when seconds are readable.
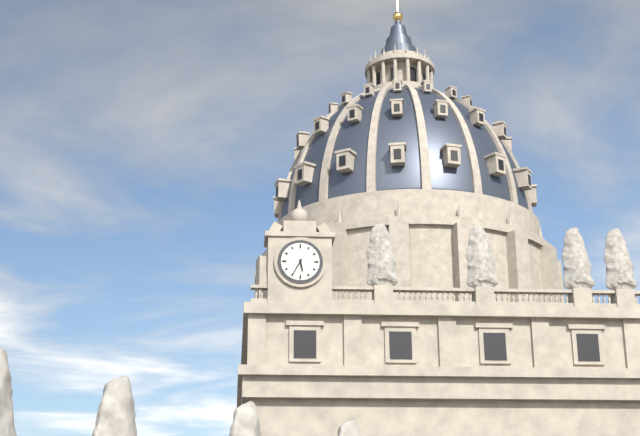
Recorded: 5.35
